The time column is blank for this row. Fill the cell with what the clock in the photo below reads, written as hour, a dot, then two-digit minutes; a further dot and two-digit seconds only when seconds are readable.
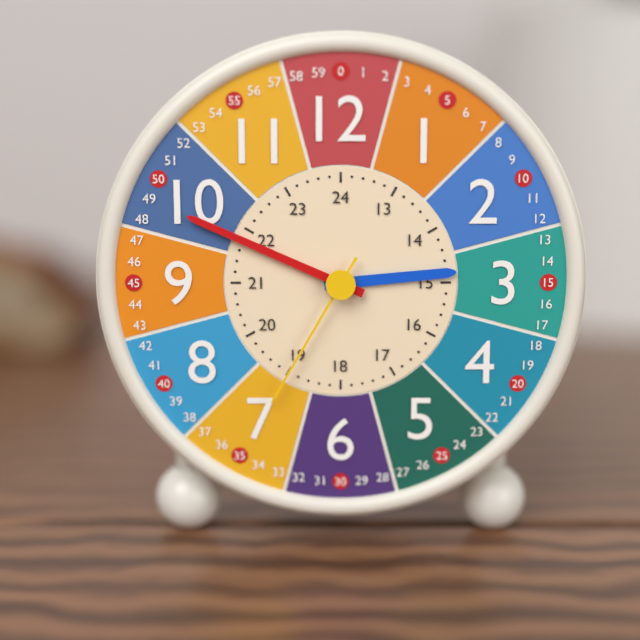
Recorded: 2.49.35
